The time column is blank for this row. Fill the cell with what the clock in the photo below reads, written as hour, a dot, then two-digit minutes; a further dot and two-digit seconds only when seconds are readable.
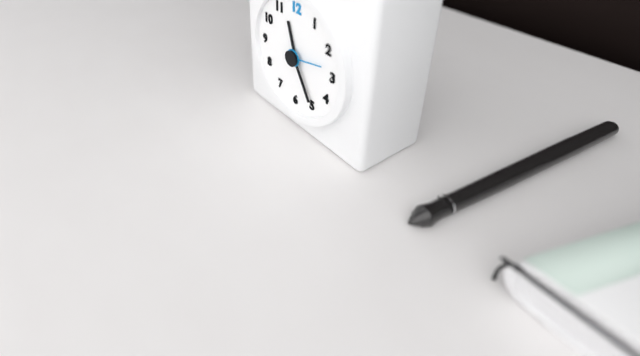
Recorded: 11.25
